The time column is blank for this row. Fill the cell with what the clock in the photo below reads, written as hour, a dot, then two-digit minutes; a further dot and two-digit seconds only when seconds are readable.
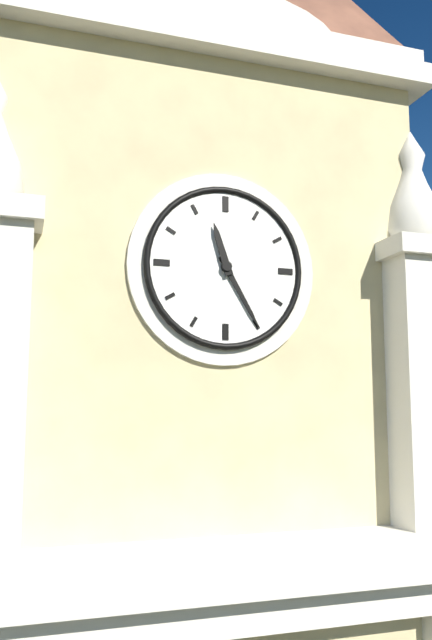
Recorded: 11.25
